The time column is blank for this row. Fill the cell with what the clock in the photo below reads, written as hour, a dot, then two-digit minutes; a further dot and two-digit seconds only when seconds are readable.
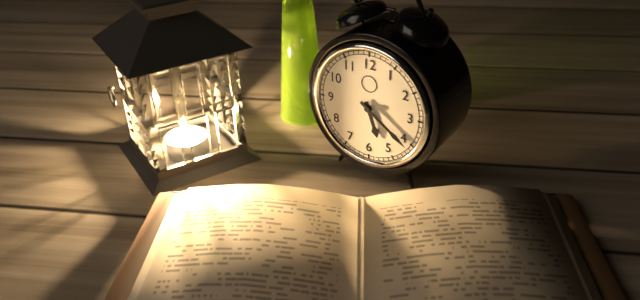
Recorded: 5.21
